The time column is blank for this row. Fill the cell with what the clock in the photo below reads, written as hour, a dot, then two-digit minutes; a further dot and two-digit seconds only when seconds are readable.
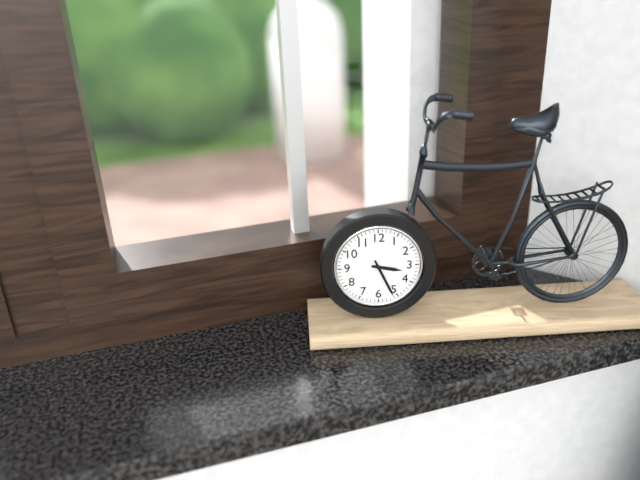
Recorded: 3.26
